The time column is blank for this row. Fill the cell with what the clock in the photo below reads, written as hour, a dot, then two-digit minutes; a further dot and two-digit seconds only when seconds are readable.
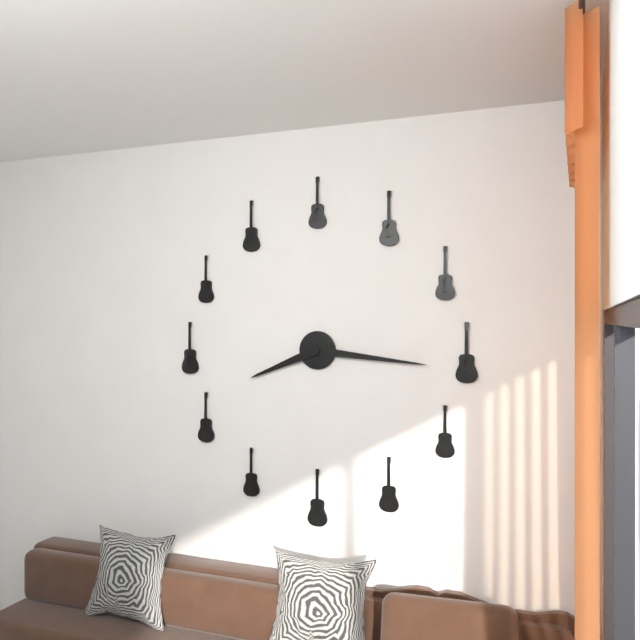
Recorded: 8.16
